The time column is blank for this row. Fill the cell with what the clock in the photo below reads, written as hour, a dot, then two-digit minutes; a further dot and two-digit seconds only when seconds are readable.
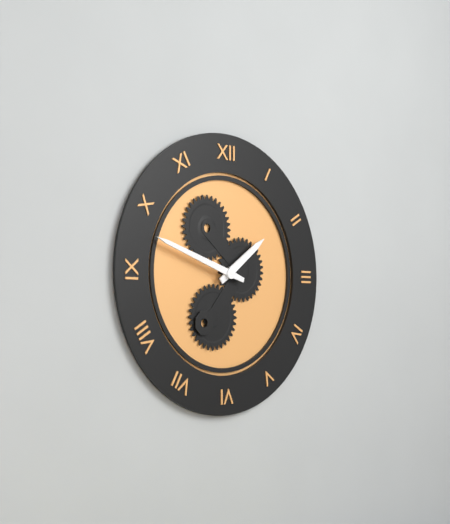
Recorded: 1.48
